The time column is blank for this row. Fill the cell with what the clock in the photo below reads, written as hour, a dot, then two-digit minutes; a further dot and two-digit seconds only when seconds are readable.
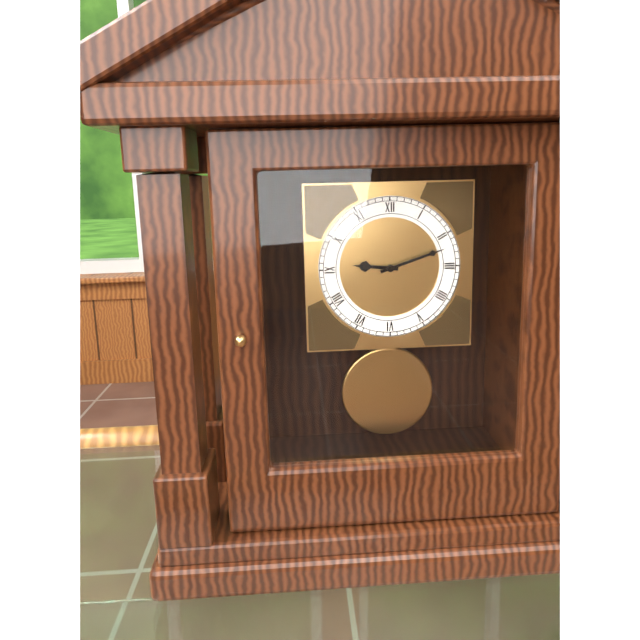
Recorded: 9.12
